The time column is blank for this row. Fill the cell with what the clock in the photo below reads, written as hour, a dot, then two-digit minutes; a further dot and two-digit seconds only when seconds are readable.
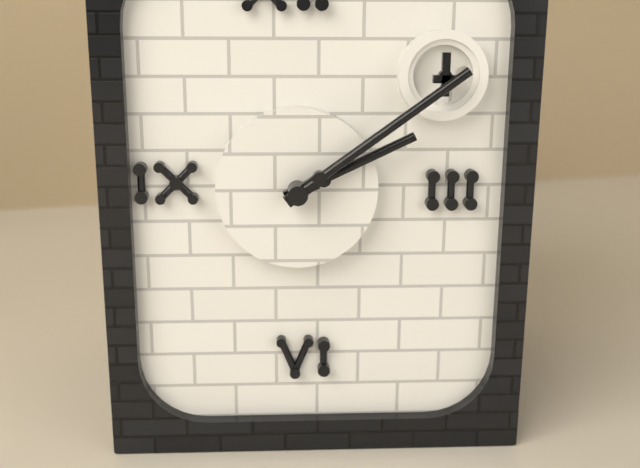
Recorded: 2.09
